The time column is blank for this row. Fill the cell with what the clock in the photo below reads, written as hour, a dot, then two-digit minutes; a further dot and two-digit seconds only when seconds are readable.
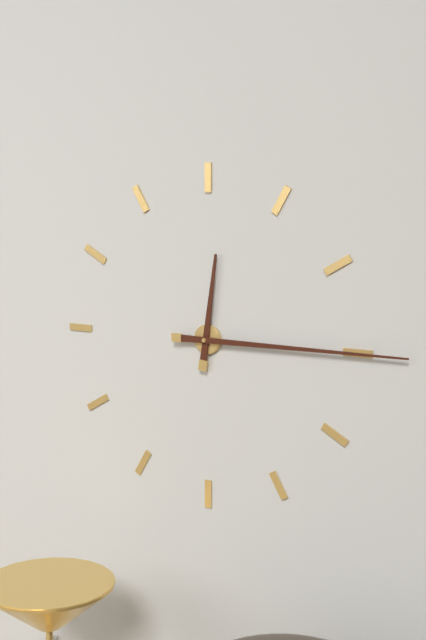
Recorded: 12.15
